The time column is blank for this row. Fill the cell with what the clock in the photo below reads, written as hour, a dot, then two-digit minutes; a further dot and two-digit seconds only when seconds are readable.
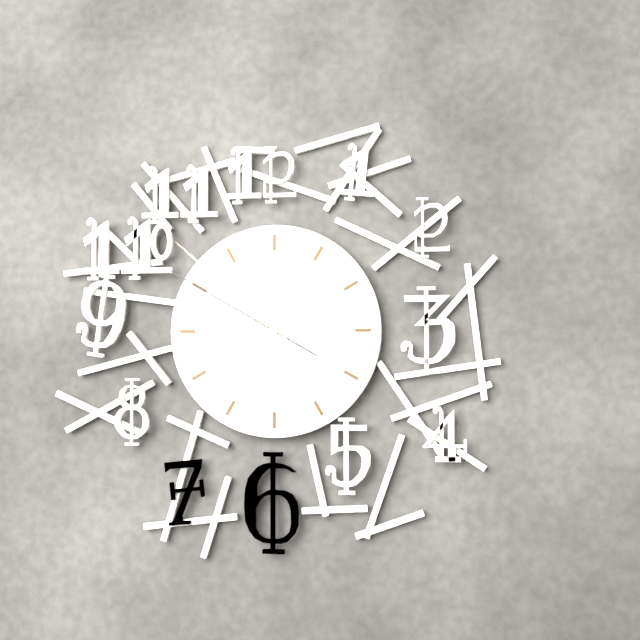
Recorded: 5.52.50
